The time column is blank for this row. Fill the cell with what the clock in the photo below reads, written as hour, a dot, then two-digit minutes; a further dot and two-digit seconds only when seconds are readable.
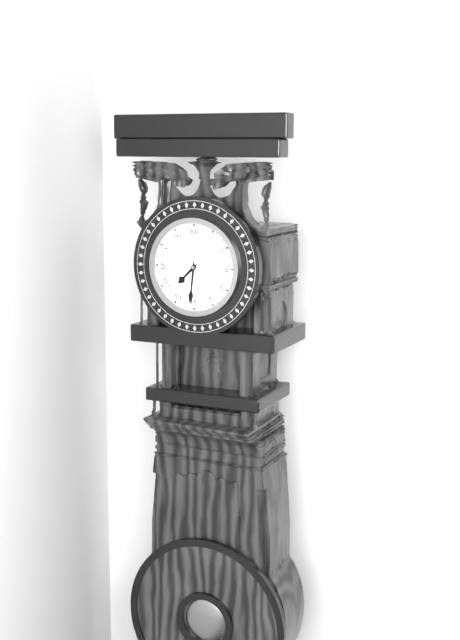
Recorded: 7.31
